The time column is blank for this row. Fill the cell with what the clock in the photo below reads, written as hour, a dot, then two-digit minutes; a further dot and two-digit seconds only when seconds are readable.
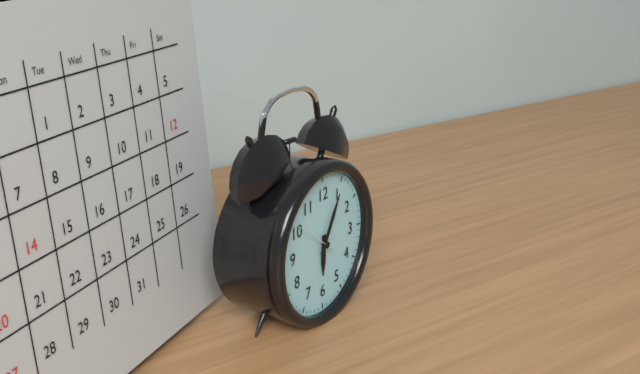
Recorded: 6.05
